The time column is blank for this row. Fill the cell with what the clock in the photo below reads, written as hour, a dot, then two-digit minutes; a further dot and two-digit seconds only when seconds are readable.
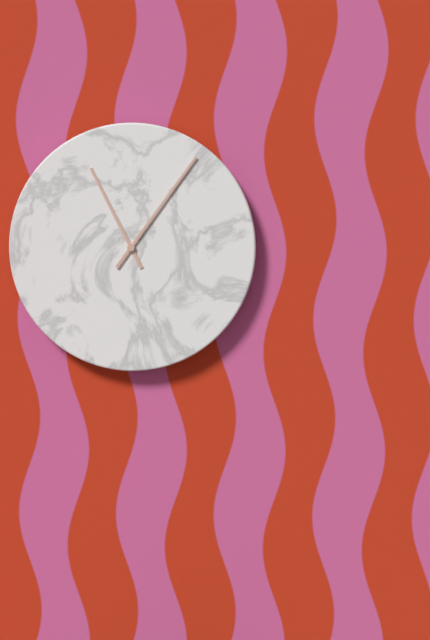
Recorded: 11.06
